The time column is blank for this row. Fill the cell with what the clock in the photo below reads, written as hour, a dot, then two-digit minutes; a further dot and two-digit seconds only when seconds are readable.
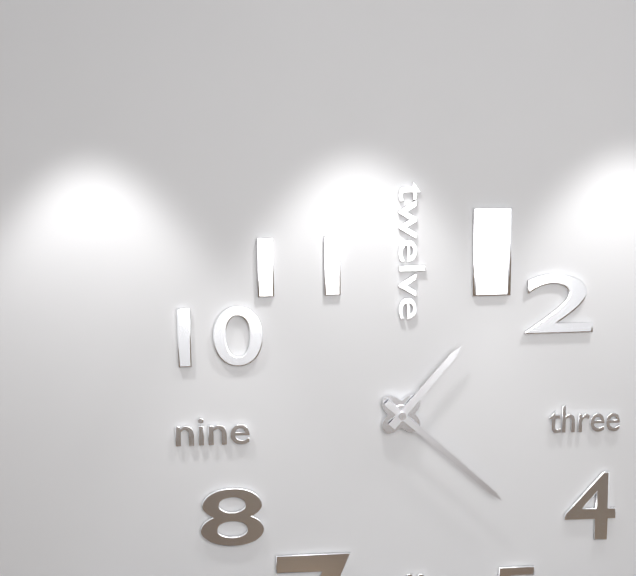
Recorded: 1.22
